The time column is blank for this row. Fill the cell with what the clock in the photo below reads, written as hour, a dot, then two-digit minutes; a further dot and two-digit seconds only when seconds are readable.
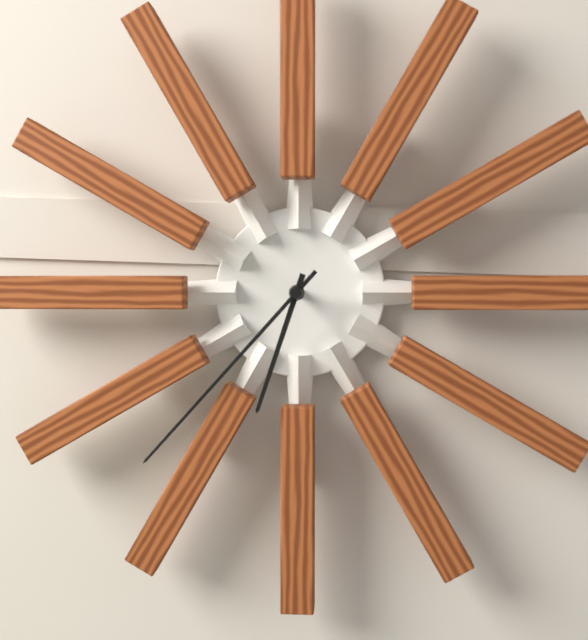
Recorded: 6.37
